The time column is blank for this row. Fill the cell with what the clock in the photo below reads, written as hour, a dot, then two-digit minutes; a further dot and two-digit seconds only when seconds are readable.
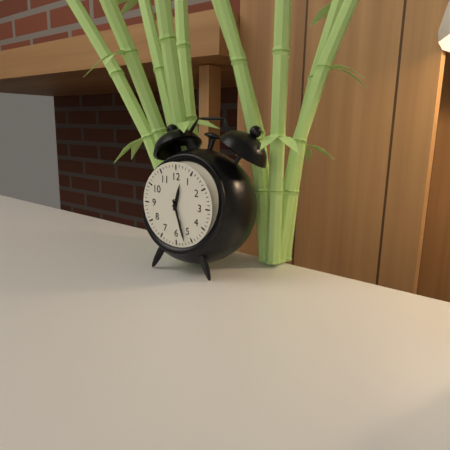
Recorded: 12.27
